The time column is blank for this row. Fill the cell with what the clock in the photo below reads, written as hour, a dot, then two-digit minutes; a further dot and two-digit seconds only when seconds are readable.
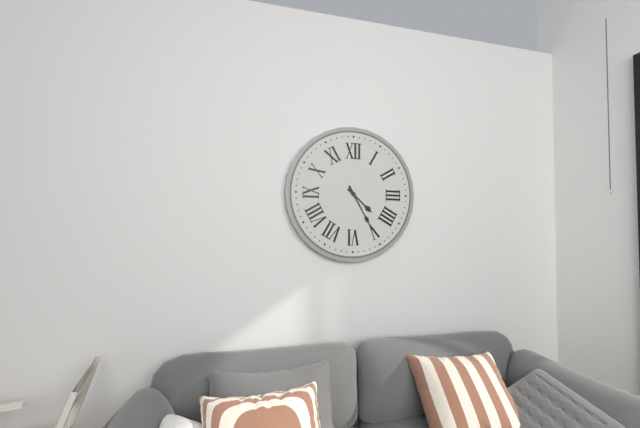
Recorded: 4.25
